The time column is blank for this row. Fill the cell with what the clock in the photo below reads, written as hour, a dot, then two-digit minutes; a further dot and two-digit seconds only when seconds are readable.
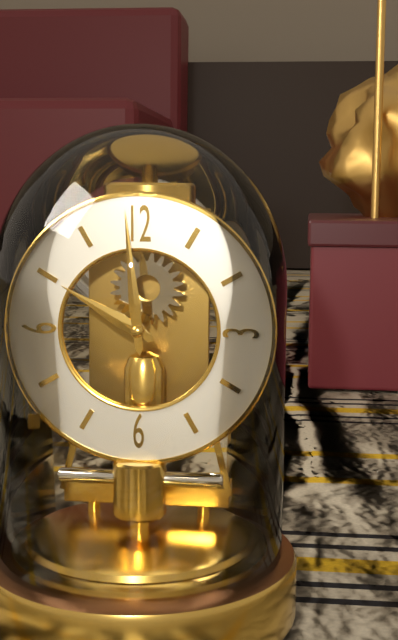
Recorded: 9.59
